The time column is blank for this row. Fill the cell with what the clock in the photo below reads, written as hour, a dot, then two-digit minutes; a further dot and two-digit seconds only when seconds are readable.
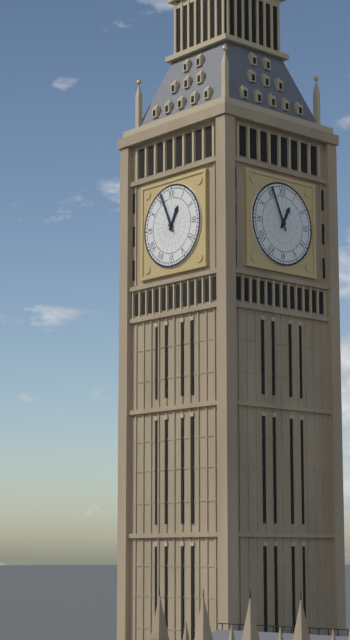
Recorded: 12.56
